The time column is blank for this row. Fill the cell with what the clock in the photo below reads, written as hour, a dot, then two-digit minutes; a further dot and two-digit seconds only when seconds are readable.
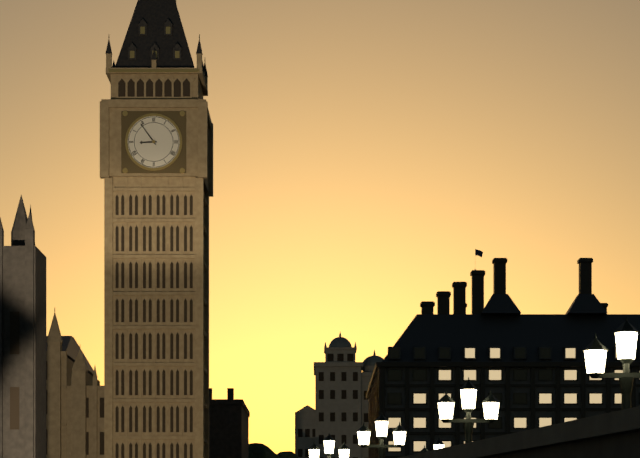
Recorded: 8.54
